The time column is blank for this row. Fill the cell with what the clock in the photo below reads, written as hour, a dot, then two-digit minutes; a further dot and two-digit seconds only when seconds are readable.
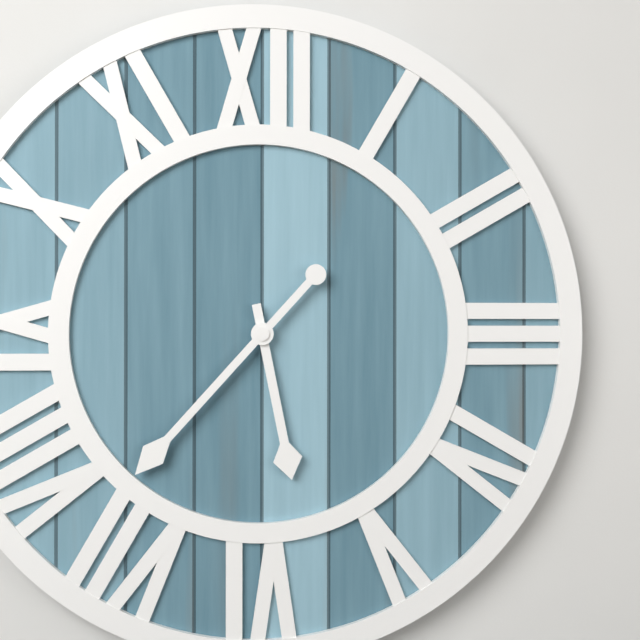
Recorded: 5.37
